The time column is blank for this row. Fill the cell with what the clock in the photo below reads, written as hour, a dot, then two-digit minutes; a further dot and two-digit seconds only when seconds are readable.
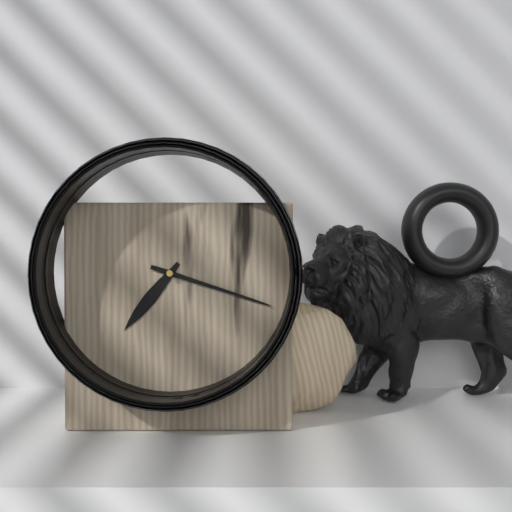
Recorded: 7.18
